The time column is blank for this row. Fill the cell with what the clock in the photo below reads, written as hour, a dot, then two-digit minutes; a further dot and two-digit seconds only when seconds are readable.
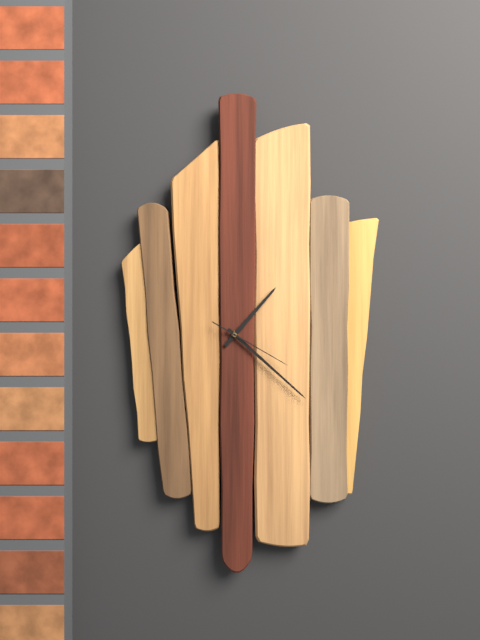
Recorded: 1.22.20
